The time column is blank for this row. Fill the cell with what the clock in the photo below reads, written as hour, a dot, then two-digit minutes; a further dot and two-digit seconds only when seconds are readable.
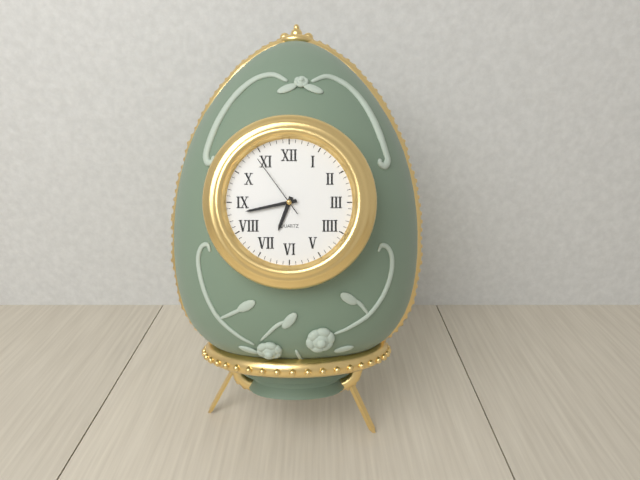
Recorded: 6.43.54
